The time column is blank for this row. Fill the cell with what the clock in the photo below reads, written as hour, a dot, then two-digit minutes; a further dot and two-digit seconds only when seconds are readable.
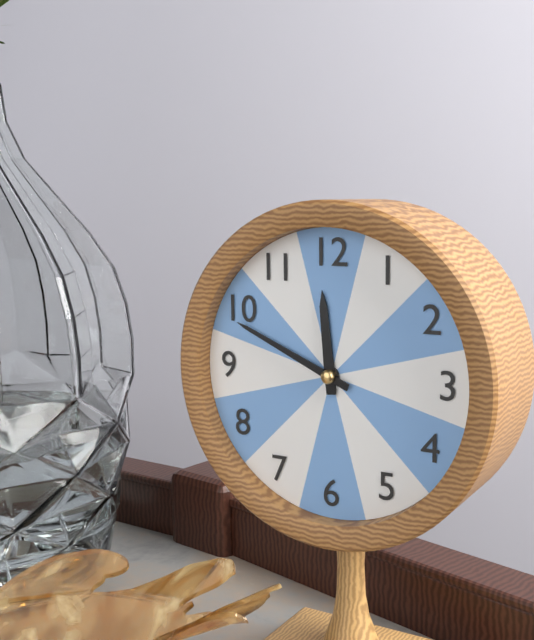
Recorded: 11.49
